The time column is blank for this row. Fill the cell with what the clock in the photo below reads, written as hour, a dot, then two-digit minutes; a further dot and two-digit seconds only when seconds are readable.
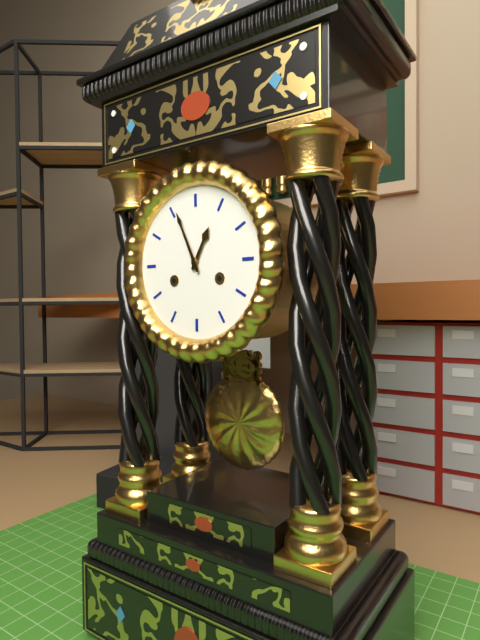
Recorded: 12.56
